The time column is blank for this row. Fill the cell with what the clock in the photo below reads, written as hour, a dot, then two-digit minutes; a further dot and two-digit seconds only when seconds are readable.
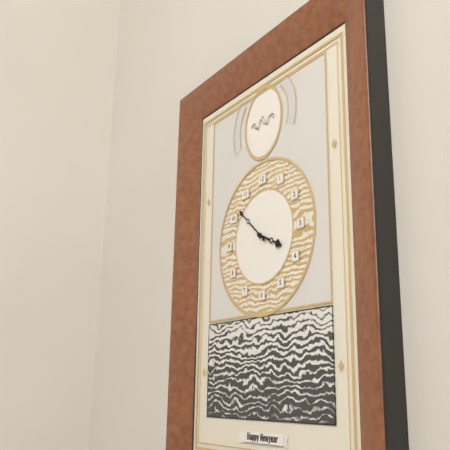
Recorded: 3.52
